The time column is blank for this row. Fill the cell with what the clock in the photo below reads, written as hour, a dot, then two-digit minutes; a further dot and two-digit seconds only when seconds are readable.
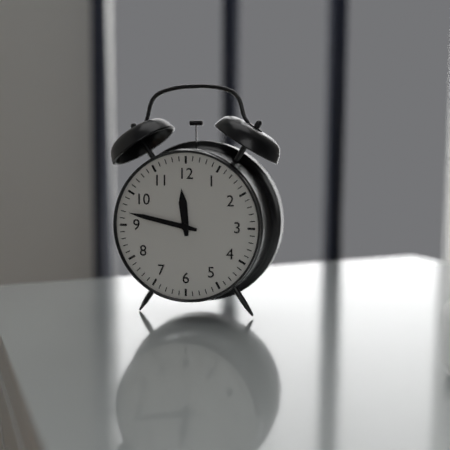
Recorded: 11.47
